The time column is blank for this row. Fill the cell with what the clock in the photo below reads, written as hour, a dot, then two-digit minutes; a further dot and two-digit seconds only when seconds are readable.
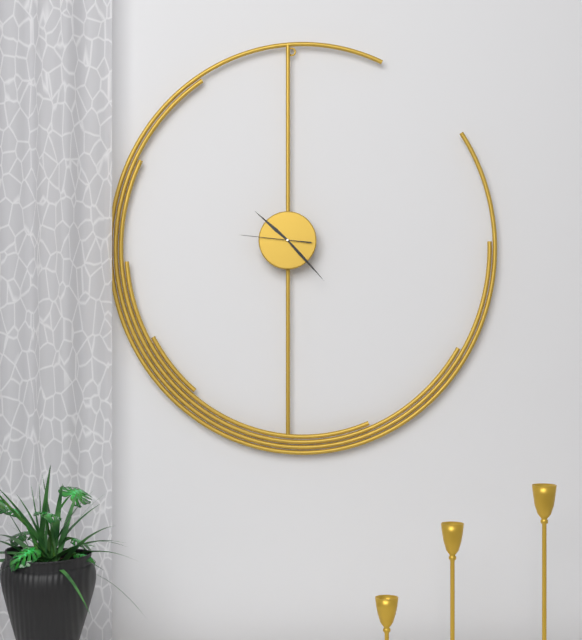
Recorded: 10.23.46
